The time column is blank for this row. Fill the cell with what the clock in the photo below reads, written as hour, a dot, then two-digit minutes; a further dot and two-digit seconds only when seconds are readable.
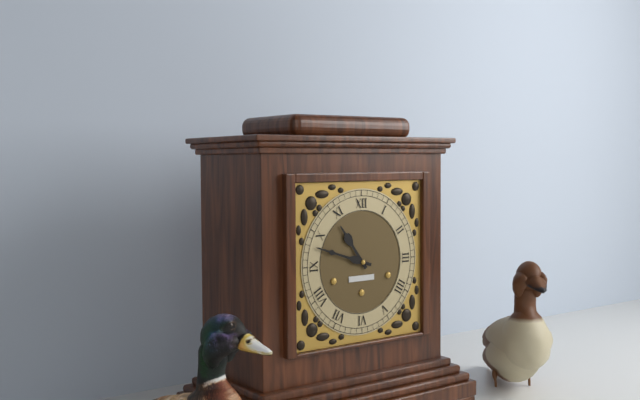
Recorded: 10.48
